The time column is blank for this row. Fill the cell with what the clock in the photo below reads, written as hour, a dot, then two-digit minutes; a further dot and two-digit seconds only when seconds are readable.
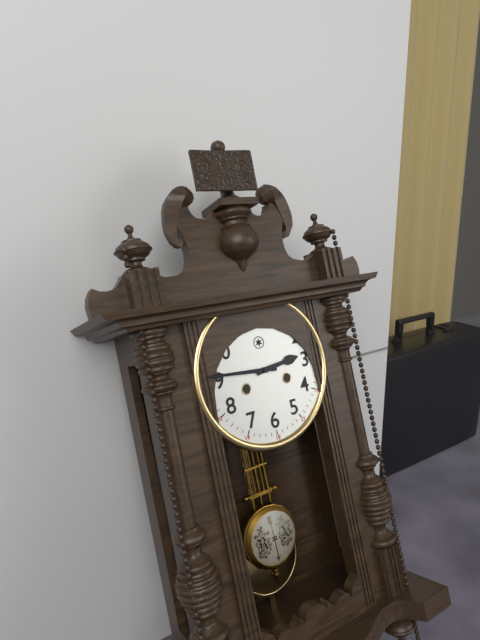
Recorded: 2.46
